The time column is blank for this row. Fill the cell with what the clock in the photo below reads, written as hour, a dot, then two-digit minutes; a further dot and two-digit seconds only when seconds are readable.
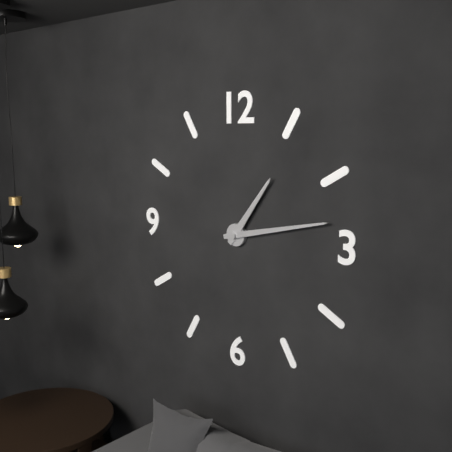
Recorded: 1.13
